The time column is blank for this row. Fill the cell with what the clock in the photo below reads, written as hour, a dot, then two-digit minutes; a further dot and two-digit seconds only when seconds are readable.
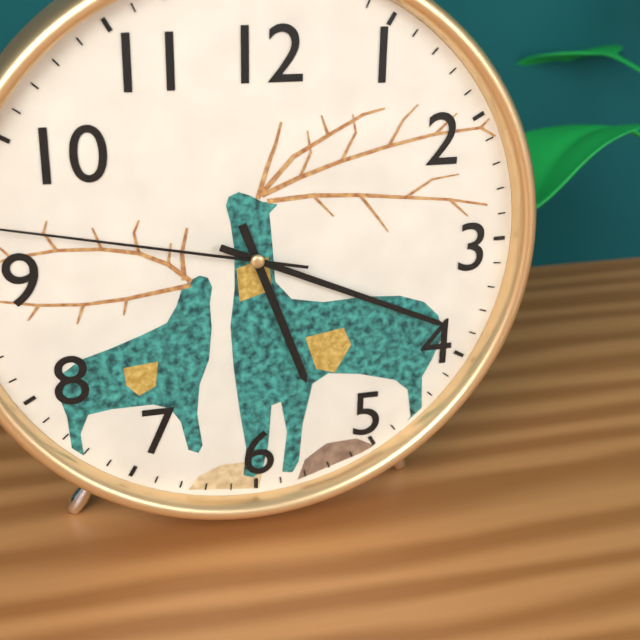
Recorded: 5.19
